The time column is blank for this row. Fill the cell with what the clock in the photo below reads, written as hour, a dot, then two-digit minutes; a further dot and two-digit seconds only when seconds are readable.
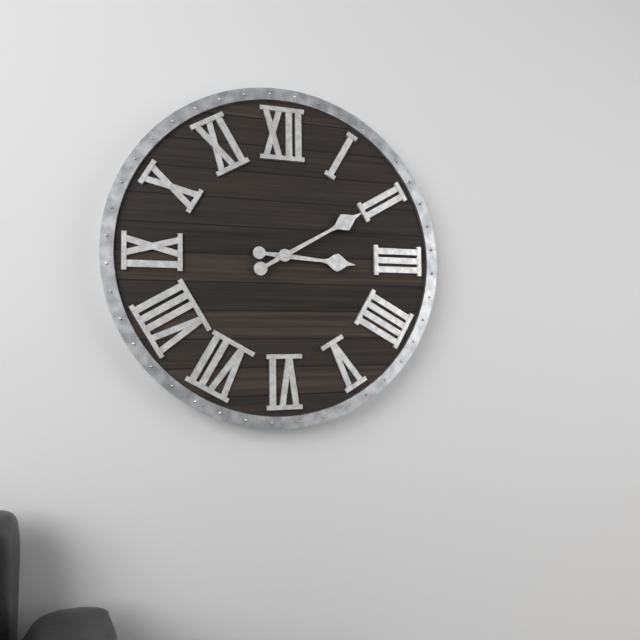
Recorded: 3.10
